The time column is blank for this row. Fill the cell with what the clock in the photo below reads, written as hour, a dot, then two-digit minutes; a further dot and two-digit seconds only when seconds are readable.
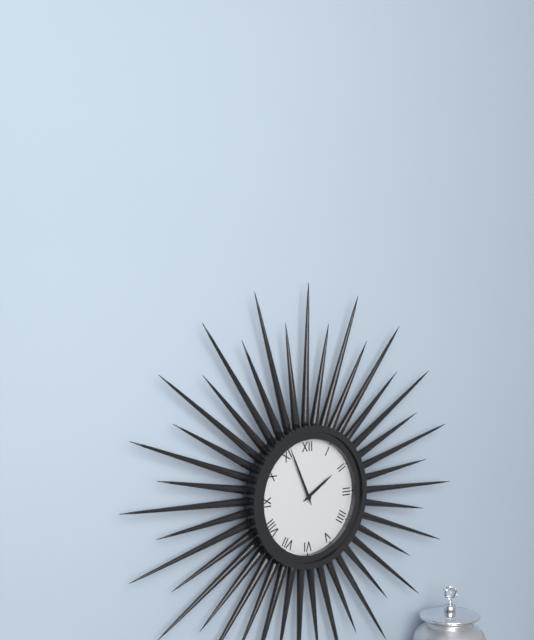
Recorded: 1.56
